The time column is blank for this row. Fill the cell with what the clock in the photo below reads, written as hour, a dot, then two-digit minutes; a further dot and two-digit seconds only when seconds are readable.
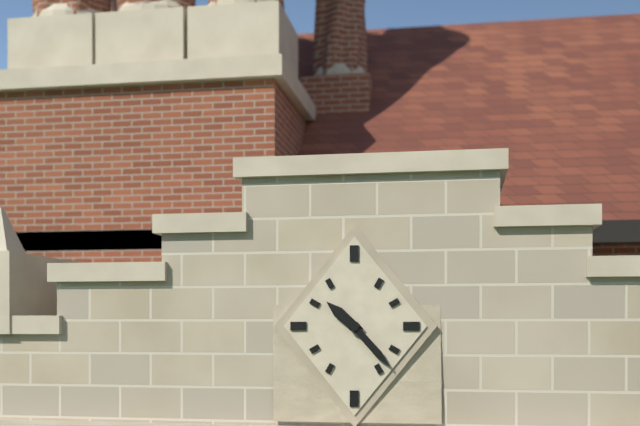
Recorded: 10.23
